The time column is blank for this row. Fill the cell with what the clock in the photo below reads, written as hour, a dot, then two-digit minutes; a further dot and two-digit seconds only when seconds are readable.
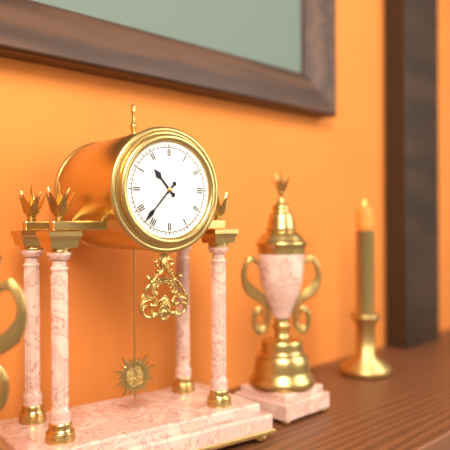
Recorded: 10.37
